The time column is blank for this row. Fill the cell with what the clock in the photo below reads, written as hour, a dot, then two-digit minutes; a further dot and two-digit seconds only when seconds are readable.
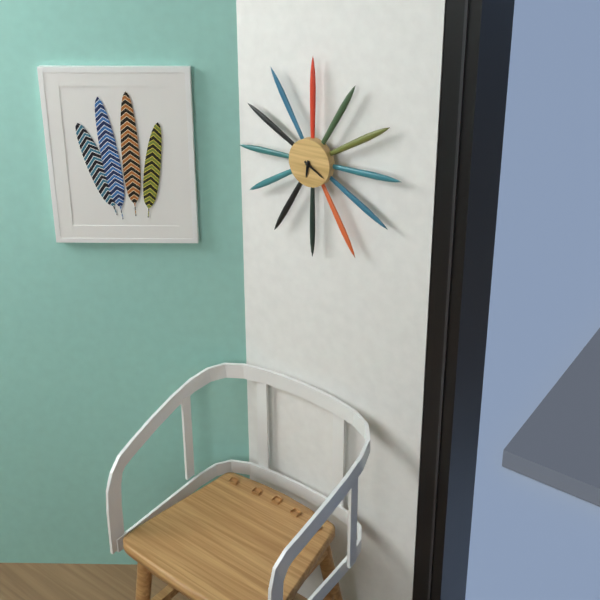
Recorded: 6.20
